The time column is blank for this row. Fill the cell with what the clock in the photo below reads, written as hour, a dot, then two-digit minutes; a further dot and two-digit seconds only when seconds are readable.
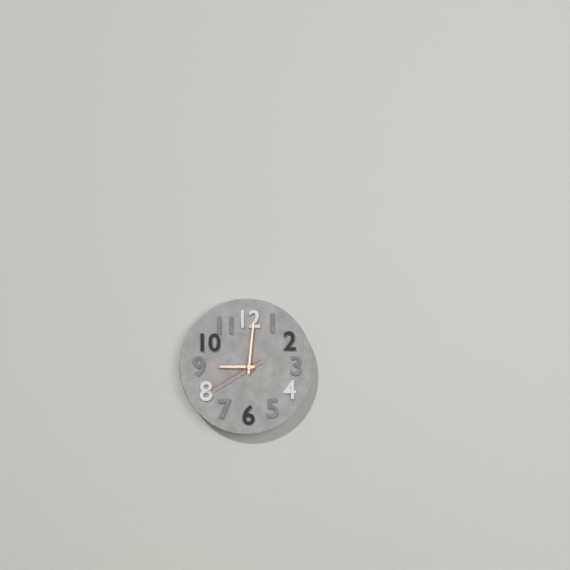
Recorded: 9.01.40
